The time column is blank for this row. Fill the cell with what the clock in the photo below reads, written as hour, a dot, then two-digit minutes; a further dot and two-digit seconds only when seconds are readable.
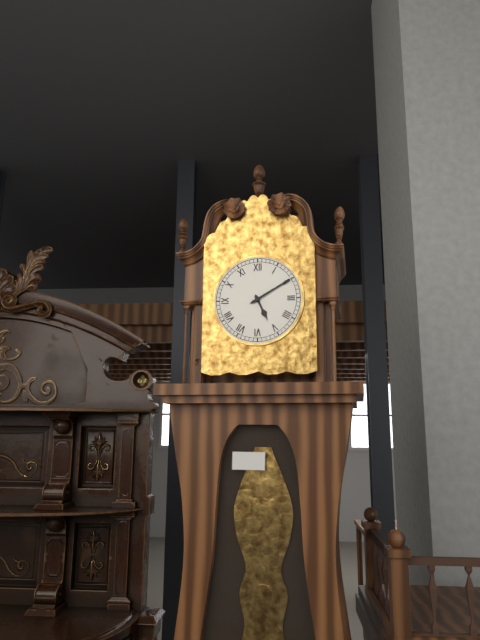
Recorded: 5.10
